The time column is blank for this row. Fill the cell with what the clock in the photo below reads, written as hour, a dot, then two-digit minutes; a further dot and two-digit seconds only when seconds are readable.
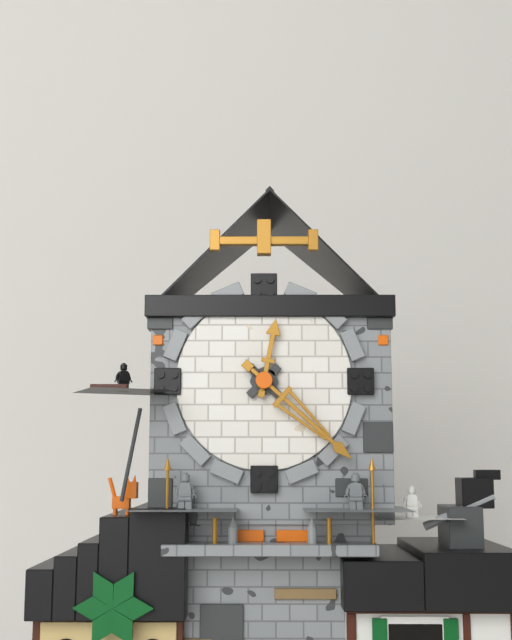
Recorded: 12.22
